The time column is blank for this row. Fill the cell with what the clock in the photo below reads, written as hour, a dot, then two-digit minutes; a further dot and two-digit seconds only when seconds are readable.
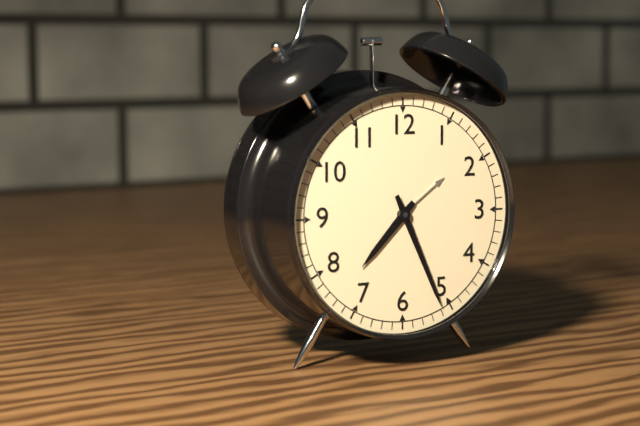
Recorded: 7.26
